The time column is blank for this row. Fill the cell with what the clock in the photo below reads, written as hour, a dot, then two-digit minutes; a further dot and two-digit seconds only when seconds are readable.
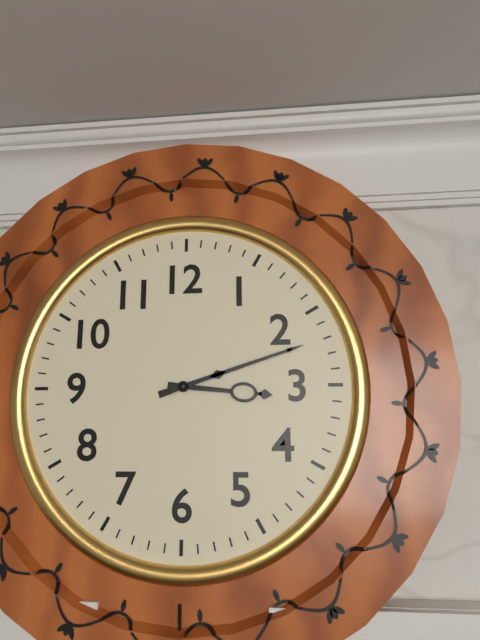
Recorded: 3.12
